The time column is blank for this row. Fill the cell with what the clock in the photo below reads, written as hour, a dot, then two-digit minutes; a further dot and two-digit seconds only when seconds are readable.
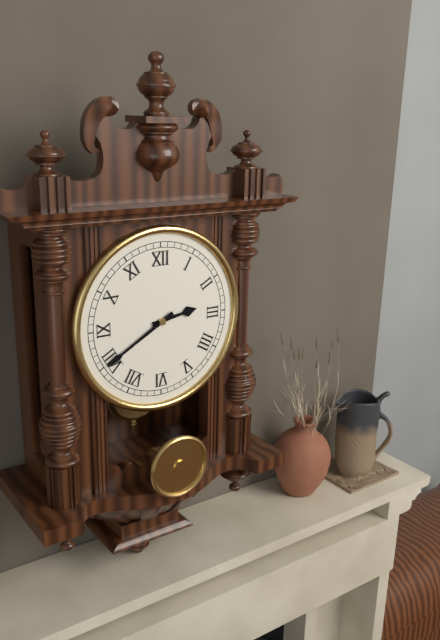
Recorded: 2.40
